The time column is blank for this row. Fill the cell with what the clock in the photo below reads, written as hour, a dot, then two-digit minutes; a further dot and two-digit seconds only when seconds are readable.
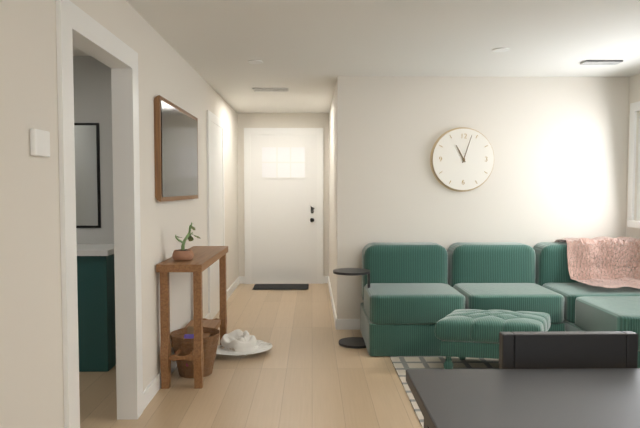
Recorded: 11.03
